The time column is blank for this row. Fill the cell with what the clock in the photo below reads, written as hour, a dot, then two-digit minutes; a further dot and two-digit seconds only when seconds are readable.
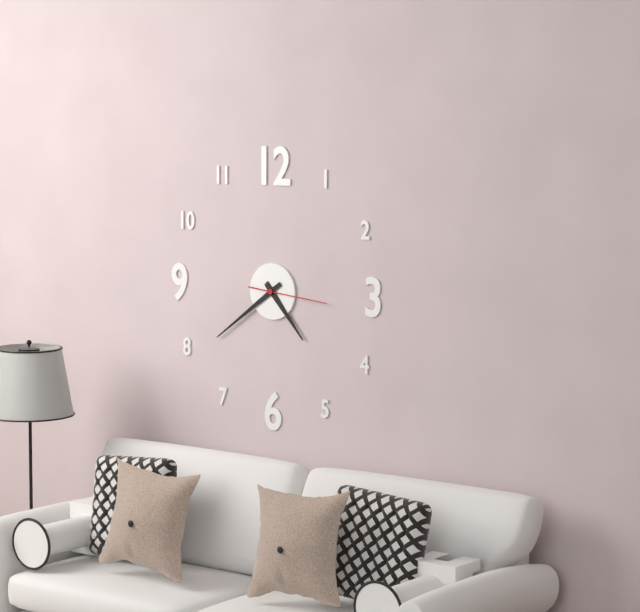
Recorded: 4.39.16
